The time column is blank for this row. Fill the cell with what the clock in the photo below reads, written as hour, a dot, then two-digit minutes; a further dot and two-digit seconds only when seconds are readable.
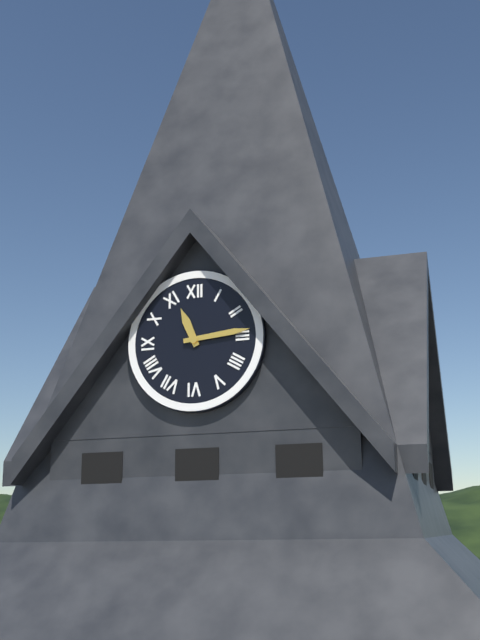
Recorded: 11.14
